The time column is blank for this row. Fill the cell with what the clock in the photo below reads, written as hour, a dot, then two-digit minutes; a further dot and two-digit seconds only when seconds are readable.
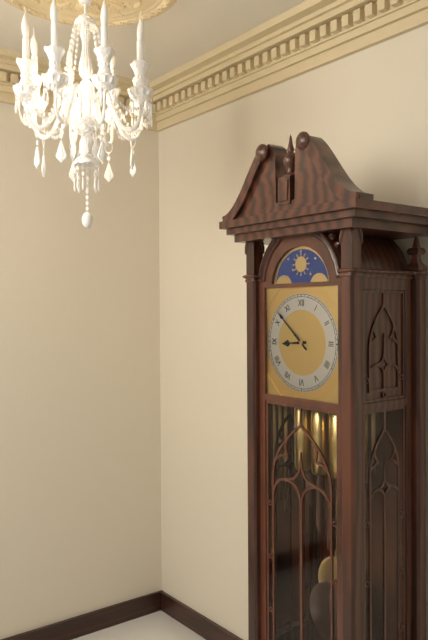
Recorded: 8.52
